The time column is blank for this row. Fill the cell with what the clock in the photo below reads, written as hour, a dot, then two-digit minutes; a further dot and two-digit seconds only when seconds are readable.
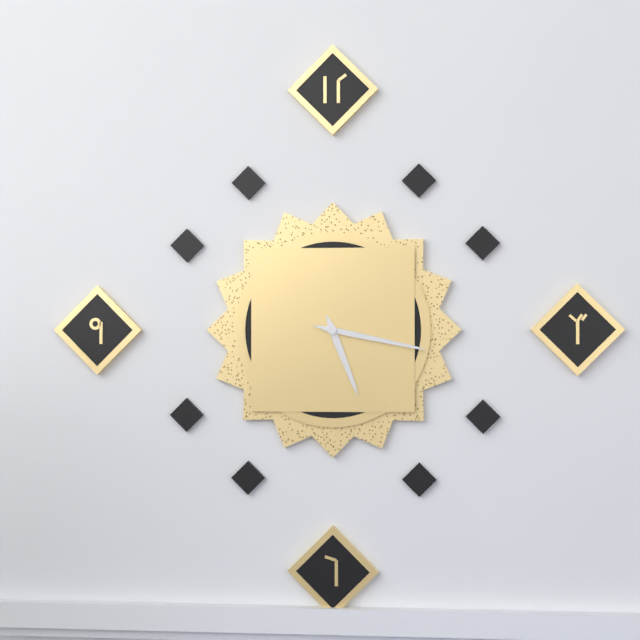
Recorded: 5.17
